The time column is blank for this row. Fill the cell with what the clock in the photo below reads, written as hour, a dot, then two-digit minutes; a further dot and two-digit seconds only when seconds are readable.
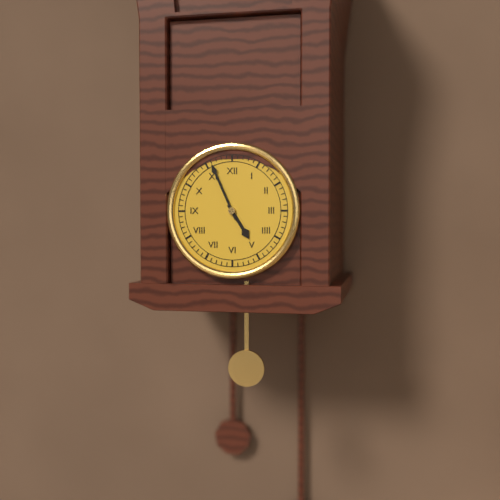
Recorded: 4.56
